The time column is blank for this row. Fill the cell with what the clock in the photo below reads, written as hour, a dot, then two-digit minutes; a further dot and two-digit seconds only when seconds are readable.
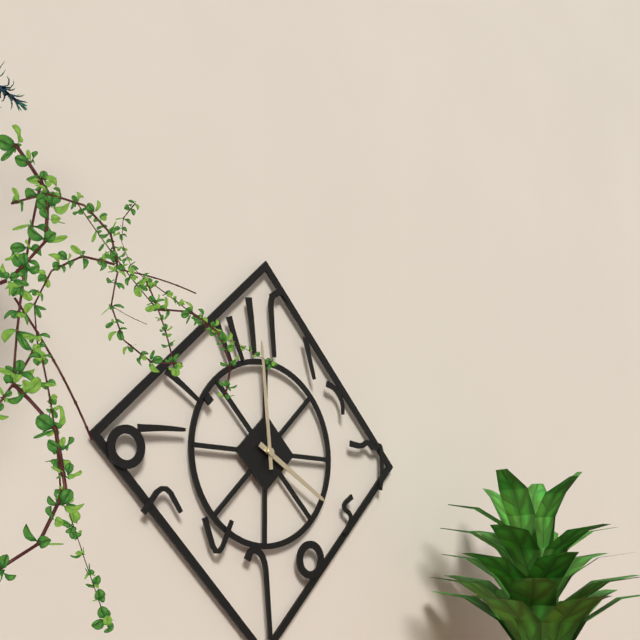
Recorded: 3.59
